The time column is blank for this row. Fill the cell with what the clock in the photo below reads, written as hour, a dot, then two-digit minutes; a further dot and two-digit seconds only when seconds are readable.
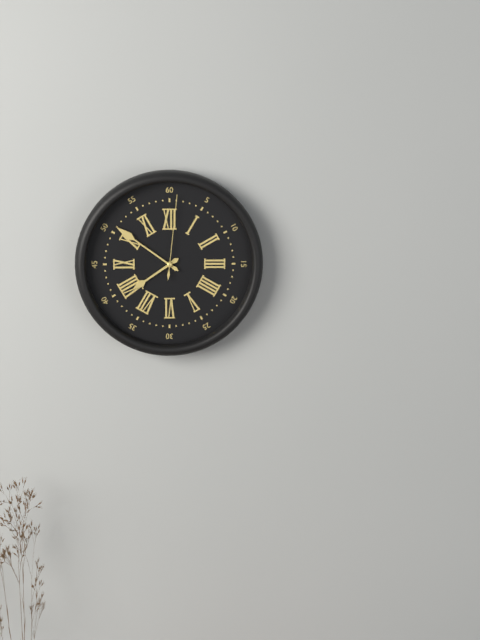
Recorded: 7.51.01
